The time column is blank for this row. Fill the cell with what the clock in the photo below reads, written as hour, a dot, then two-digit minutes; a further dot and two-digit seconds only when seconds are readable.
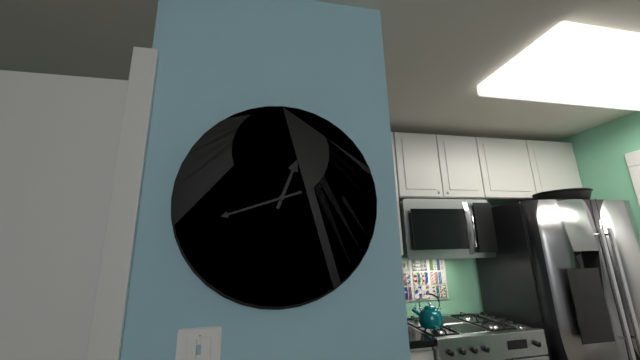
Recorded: 12.42
